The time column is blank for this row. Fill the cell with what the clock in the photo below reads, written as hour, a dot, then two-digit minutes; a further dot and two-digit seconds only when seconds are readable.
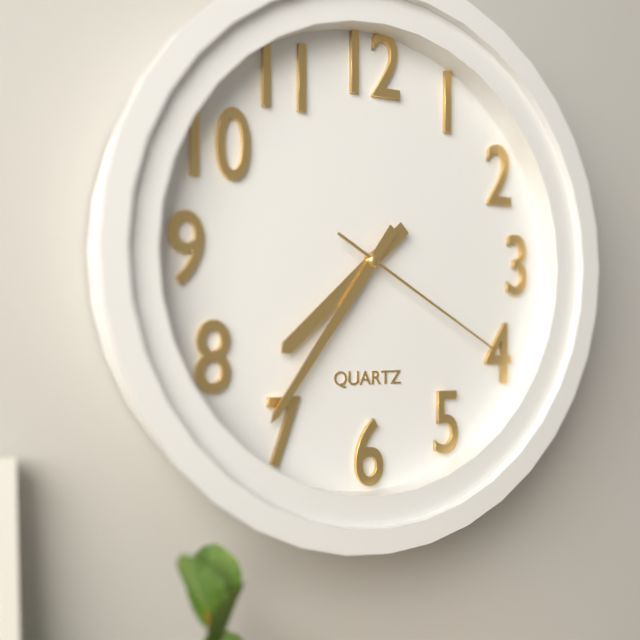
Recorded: 7.36.20
